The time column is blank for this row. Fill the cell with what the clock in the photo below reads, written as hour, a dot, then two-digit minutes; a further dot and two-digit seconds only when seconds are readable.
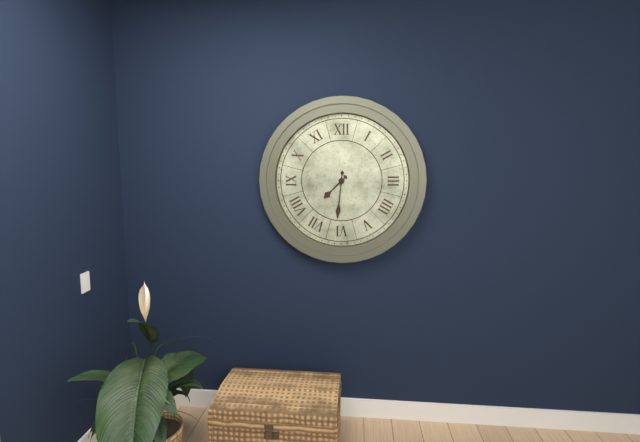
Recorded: 7.31
